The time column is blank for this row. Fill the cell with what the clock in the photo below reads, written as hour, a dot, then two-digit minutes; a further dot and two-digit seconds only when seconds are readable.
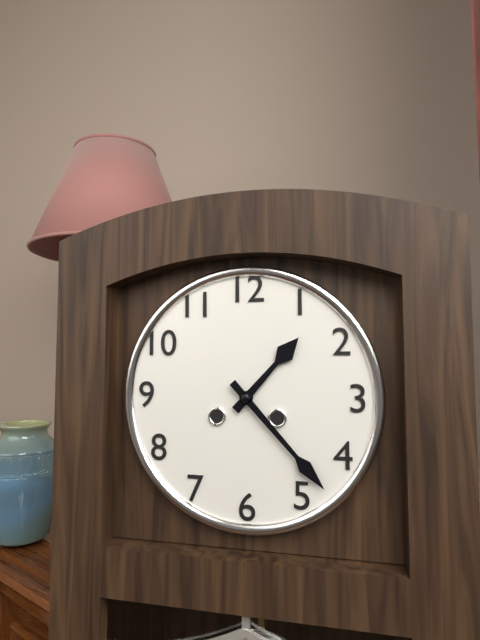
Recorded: 1.23
